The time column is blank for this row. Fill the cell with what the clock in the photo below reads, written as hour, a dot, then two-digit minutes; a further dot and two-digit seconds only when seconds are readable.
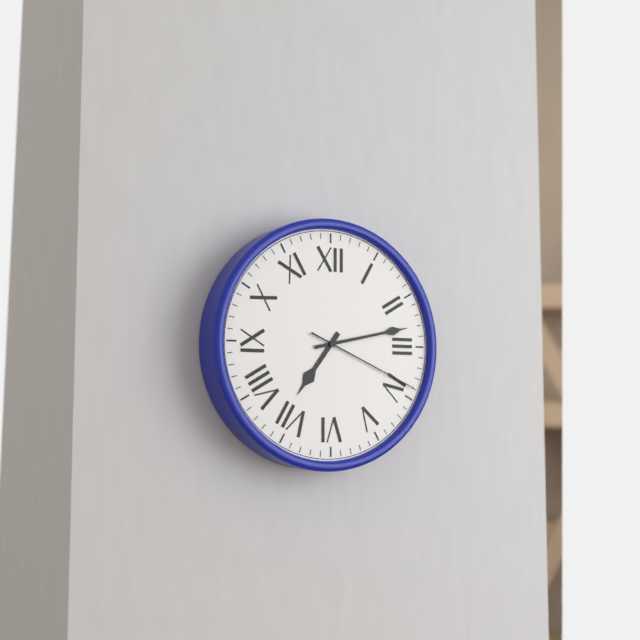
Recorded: 7.13.19
